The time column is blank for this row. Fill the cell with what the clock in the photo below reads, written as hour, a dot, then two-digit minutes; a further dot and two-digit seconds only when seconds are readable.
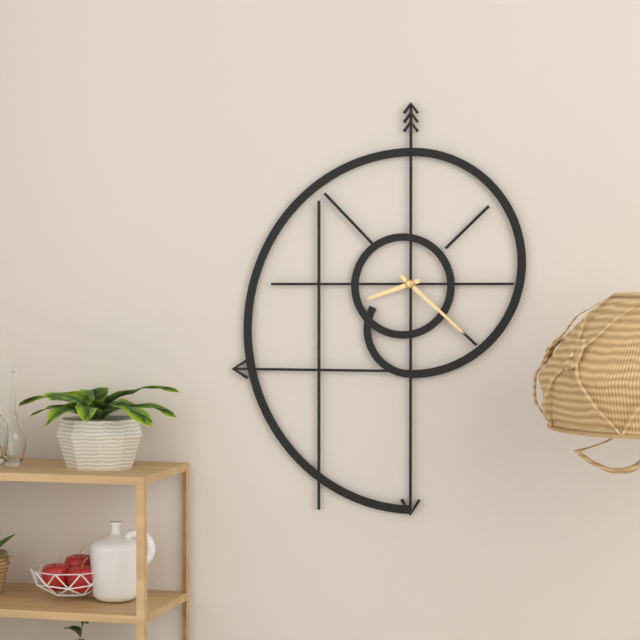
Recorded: 8.22
